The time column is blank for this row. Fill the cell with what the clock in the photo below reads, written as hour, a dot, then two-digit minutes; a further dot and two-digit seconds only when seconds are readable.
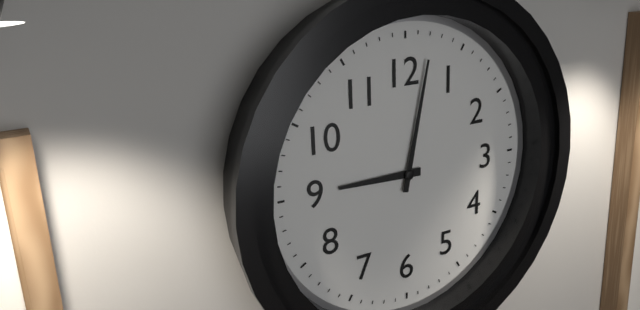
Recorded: 9.02
